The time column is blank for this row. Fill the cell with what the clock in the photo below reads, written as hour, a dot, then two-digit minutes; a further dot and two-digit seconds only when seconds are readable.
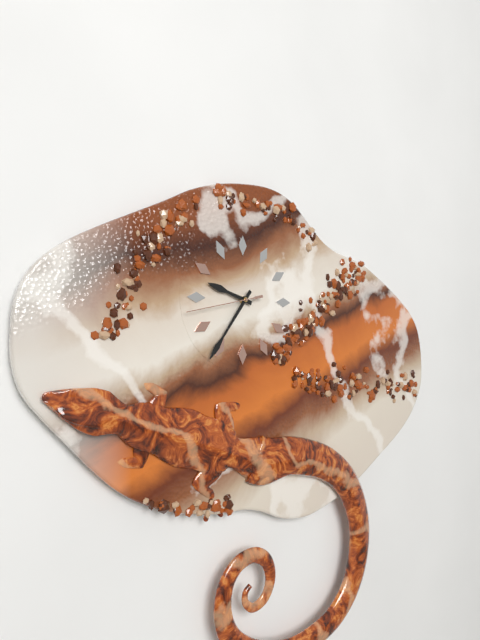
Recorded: 9.36.43
